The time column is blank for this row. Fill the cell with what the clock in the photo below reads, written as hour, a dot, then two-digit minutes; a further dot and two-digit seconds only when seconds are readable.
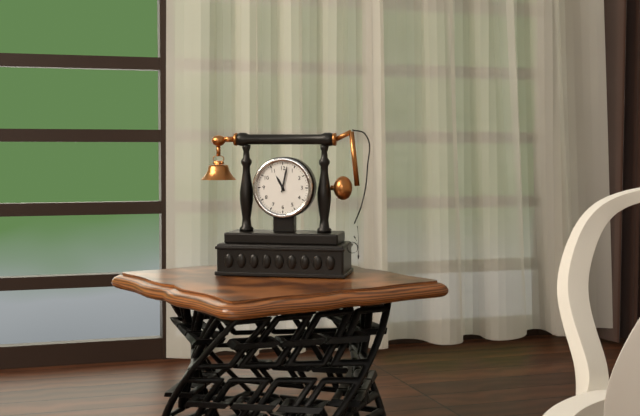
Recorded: 11.02
